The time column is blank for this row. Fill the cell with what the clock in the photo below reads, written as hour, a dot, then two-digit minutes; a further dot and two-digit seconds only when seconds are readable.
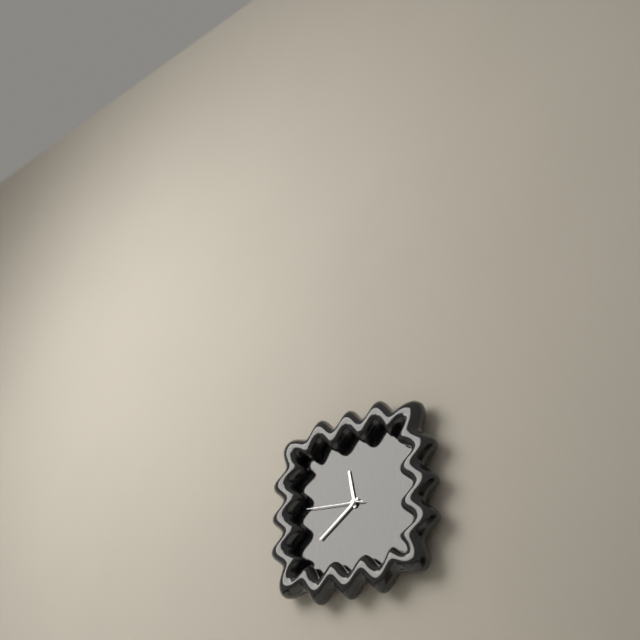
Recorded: 11.39.46
